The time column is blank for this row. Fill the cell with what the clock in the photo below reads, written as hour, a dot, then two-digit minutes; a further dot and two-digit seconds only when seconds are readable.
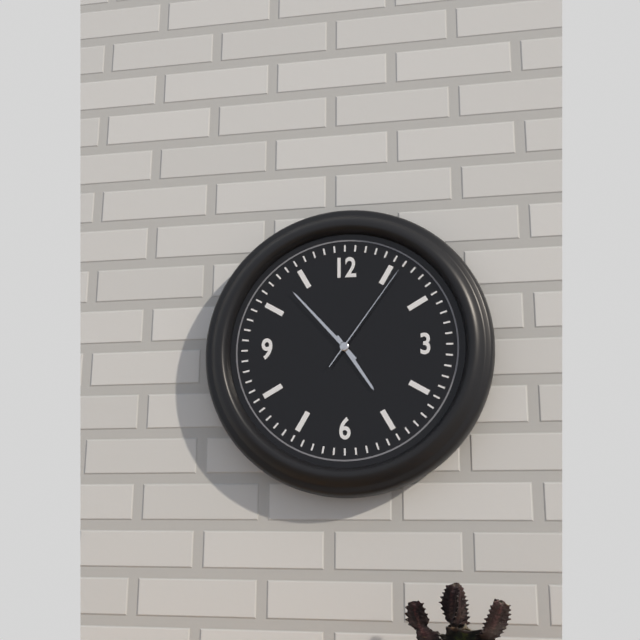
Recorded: 4.53.06
